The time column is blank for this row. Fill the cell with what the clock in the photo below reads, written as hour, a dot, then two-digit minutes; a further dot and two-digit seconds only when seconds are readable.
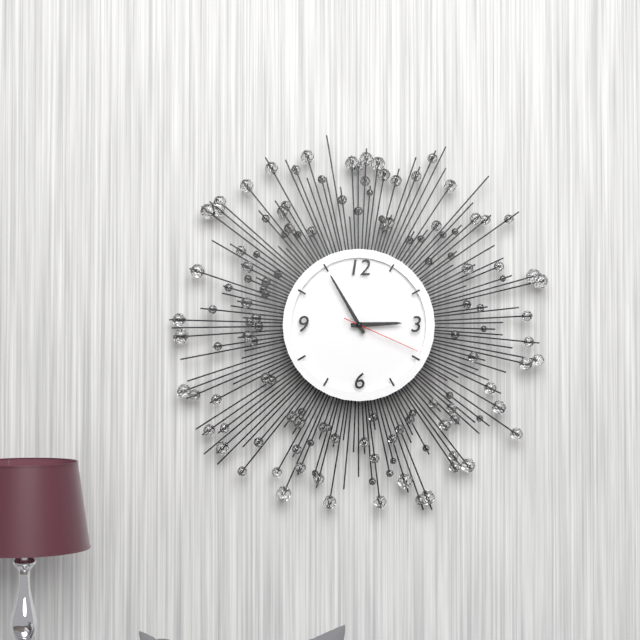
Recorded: 2.55.19
